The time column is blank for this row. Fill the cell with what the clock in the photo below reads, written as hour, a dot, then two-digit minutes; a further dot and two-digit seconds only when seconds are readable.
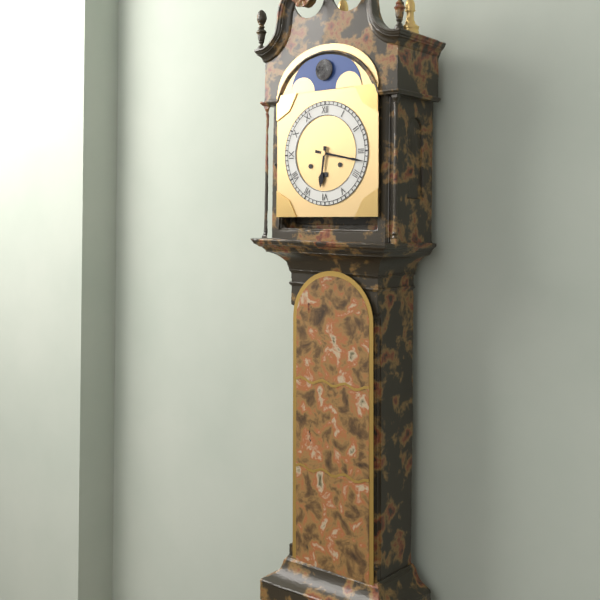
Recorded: 6.17
